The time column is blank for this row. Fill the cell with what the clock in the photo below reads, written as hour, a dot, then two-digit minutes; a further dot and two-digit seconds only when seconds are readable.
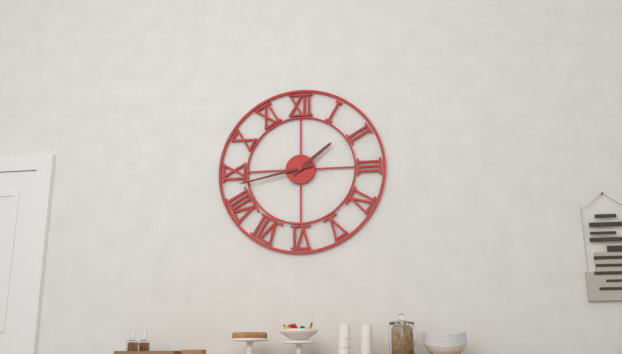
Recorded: 1.43
